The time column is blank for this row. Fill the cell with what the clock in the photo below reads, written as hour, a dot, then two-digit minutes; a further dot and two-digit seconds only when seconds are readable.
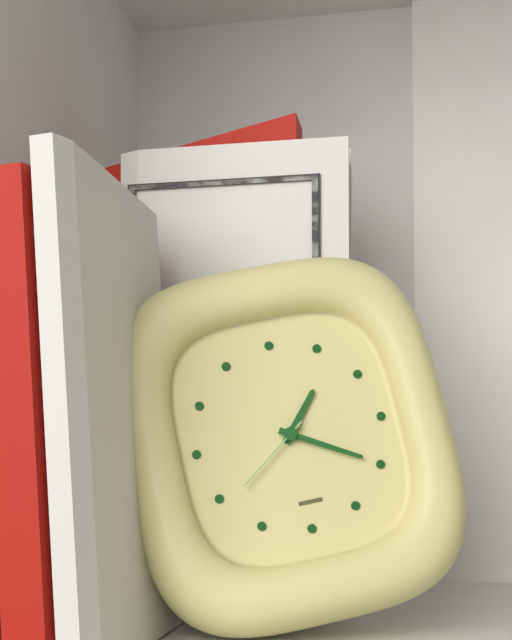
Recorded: 1.20.39
